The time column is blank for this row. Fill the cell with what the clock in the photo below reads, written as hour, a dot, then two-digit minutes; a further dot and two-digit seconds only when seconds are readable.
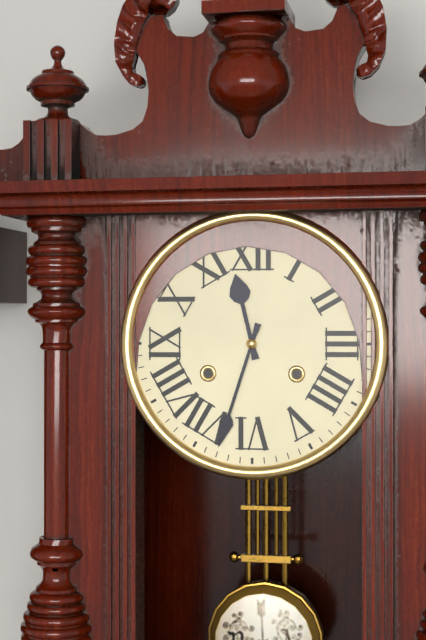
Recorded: 11.33
